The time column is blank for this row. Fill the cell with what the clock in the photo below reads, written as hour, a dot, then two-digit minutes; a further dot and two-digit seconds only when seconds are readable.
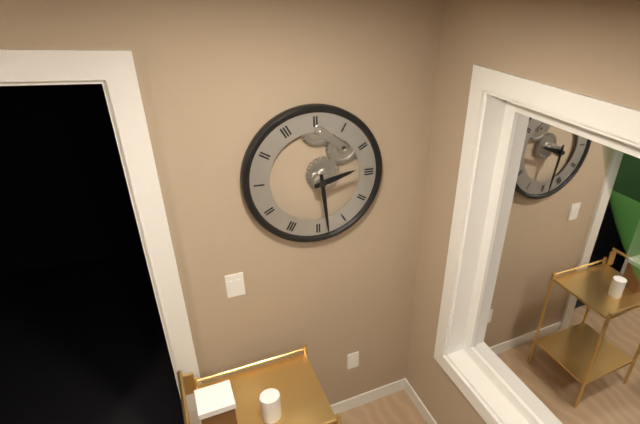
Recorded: 2.29
